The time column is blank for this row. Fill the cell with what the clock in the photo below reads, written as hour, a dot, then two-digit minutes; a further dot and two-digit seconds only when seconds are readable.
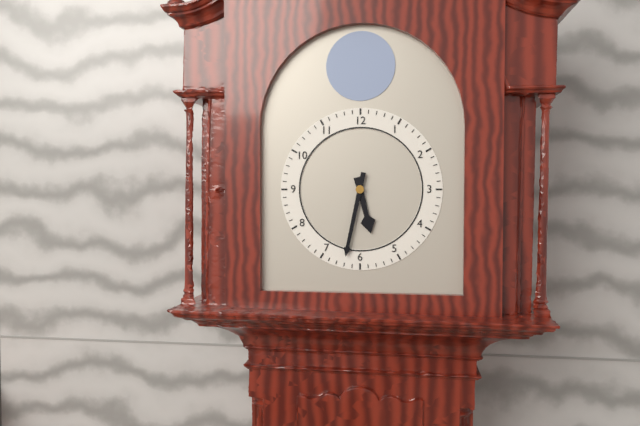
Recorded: 5.32
